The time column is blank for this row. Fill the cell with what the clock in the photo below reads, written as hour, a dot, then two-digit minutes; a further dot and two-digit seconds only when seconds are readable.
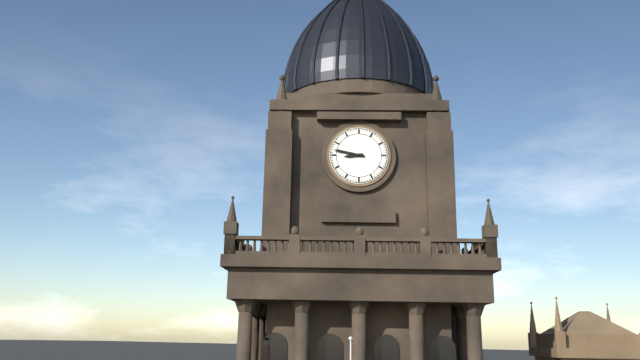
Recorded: 8.47
